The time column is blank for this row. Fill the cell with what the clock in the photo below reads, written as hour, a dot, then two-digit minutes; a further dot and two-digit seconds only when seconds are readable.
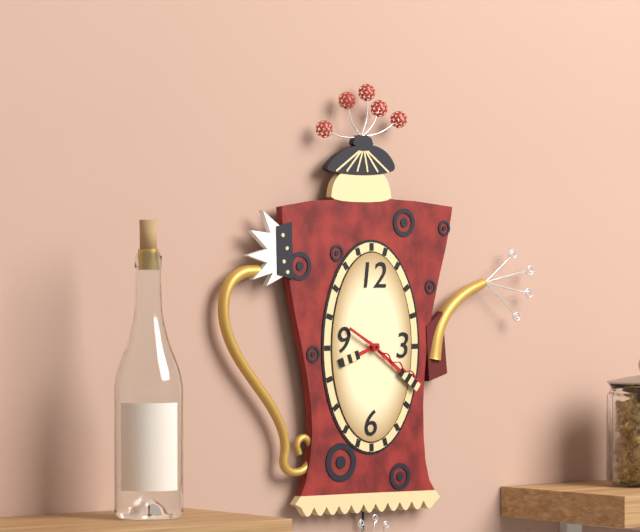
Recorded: 8.21.20
